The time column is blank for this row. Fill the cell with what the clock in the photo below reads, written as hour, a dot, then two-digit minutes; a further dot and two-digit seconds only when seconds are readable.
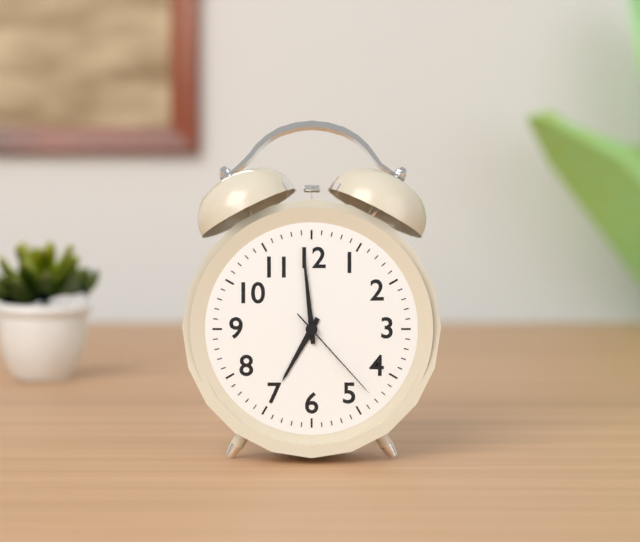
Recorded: 6.59.23
